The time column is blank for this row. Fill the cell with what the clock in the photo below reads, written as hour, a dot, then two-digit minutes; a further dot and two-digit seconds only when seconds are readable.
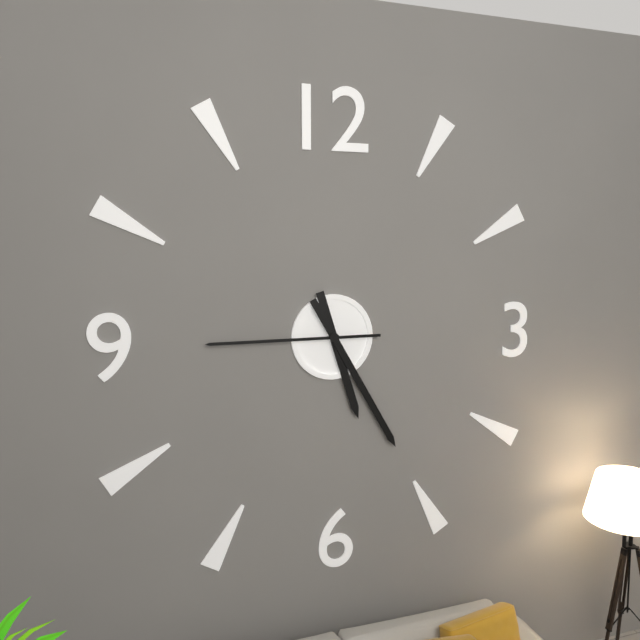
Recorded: 5.25.45
